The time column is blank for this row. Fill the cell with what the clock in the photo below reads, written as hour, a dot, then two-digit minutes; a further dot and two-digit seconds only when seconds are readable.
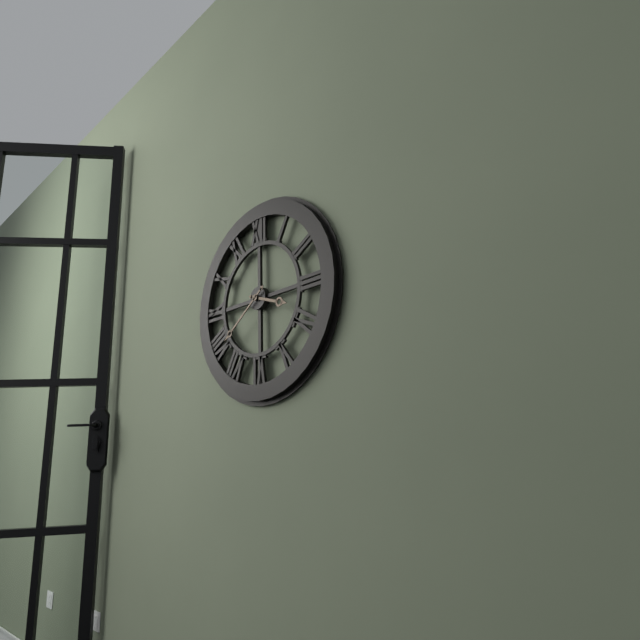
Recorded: 3.39
